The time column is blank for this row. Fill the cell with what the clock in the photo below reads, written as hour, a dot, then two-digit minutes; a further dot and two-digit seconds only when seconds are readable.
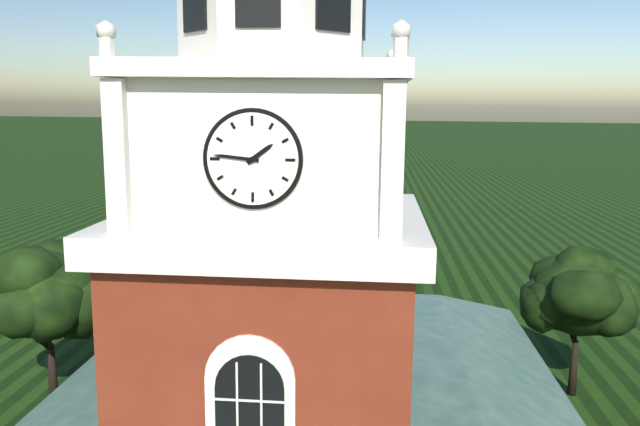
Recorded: 1.46
